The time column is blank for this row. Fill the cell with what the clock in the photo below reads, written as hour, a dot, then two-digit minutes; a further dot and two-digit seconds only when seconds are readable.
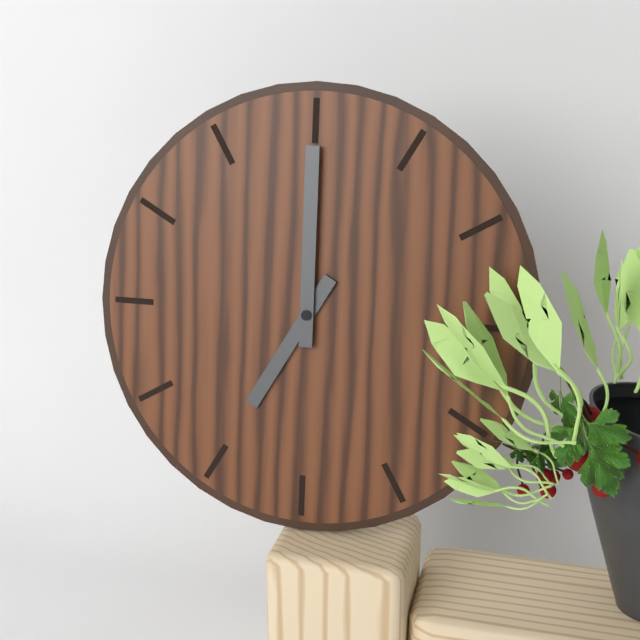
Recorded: 7.00
